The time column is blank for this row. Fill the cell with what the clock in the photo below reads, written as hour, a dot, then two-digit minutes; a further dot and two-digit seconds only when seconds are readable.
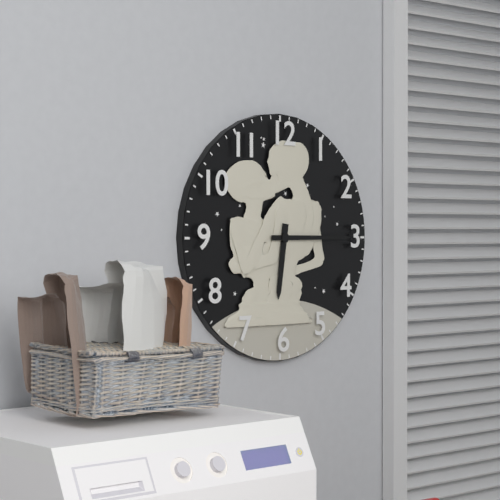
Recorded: 6.15
